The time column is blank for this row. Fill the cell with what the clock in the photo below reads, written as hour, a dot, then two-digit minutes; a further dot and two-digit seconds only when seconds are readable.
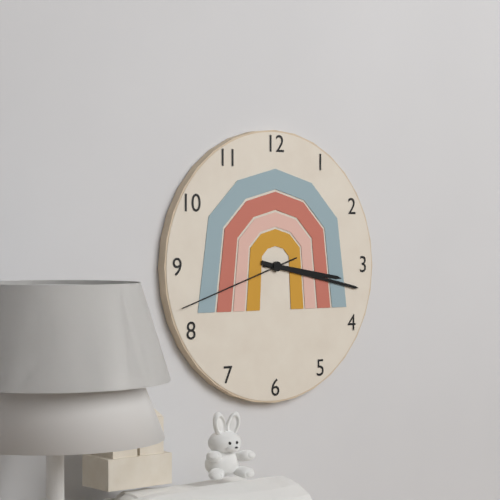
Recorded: 3.17.42
